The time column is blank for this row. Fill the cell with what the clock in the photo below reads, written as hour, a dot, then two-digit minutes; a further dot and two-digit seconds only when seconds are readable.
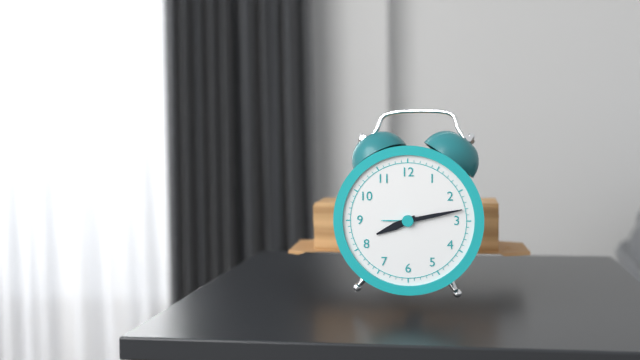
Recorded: 8.13
